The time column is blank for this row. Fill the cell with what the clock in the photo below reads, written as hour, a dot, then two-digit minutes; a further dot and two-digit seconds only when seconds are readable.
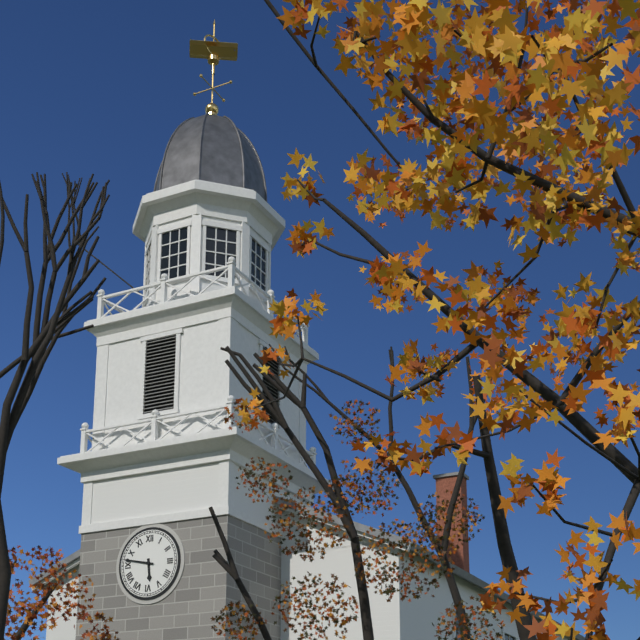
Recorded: 5.47
